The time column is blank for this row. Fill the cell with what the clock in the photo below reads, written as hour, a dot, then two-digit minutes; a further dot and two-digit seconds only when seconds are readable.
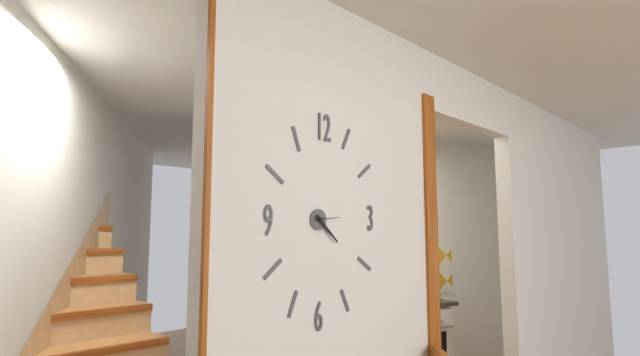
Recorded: 4.22
